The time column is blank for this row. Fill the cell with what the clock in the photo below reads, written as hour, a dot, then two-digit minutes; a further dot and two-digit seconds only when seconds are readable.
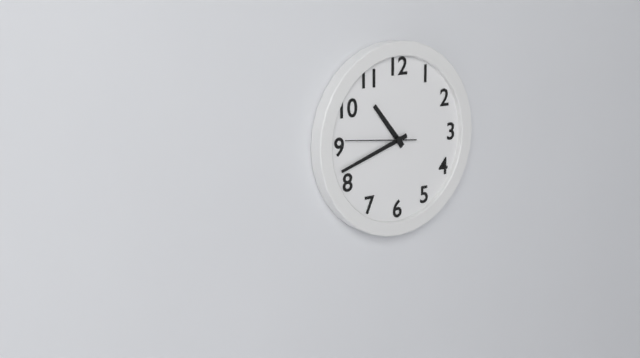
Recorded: 10.42.46
